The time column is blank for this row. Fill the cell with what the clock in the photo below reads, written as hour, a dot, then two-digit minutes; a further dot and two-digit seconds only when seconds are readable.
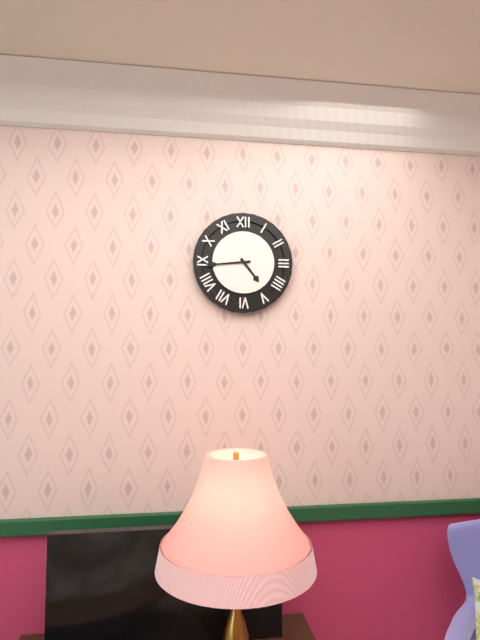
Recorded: 4.44
